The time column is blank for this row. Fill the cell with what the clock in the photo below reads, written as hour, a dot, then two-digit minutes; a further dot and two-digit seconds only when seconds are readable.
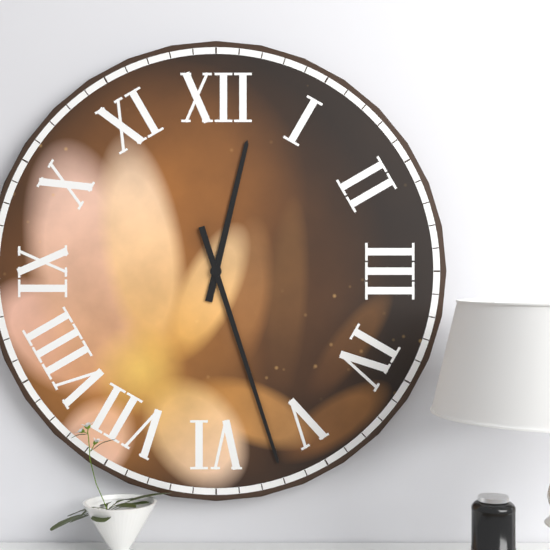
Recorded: 12.27
